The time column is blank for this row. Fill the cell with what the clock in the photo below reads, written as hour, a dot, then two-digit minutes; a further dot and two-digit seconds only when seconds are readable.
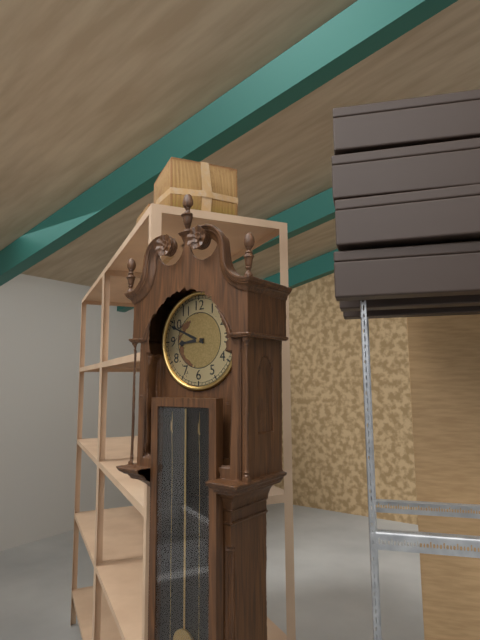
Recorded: 8.49
